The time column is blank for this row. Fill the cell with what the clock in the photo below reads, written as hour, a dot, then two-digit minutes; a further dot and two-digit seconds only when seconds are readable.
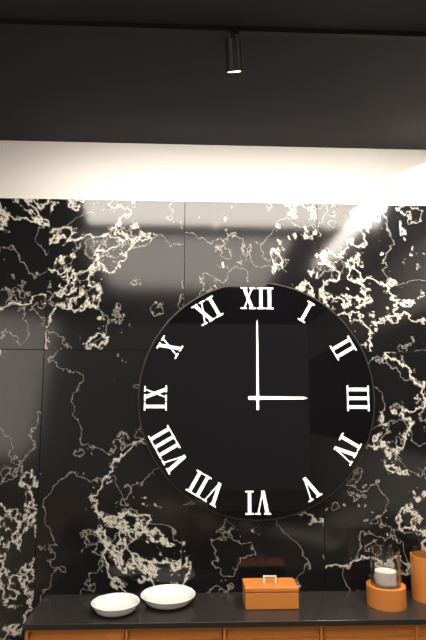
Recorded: 3.00
